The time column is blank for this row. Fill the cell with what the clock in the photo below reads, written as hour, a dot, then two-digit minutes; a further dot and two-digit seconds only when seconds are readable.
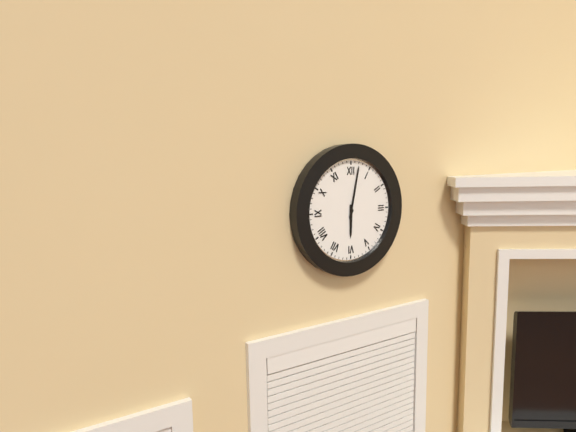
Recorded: 6.02
